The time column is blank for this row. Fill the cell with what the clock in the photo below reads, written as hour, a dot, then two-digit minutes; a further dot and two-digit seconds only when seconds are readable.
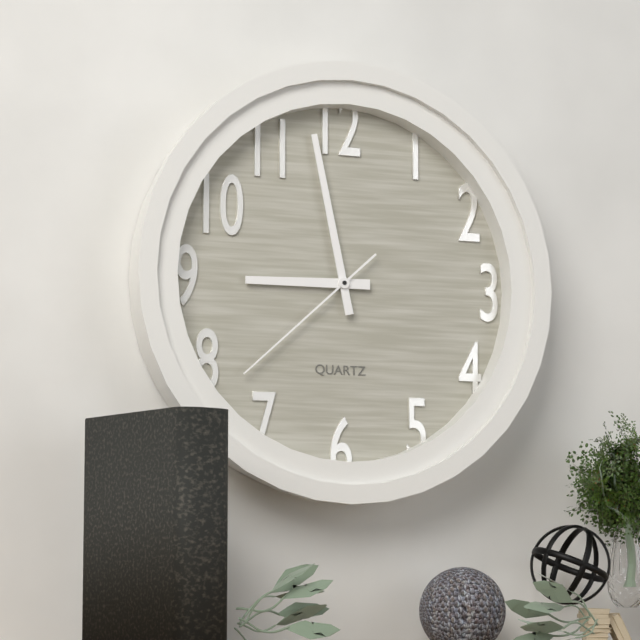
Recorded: 8.58.38
